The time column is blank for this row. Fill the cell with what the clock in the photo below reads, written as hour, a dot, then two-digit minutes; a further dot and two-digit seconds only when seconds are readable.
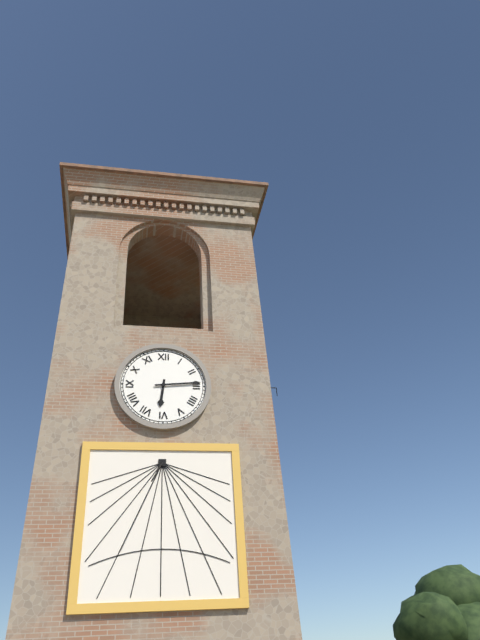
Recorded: 6.14
